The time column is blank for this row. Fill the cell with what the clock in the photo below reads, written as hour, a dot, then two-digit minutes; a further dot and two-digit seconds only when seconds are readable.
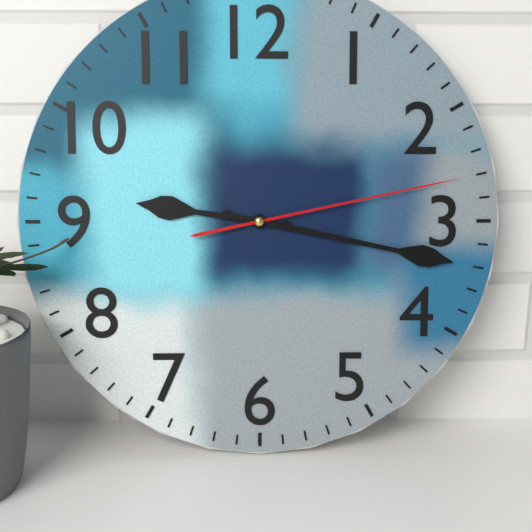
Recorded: 9.17.13
